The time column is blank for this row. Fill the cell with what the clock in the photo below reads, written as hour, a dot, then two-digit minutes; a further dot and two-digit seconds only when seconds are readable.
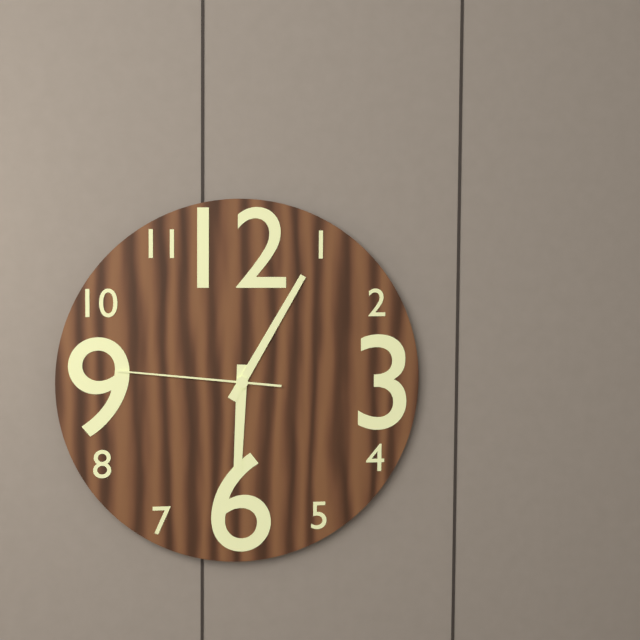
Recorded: 6.05.46
